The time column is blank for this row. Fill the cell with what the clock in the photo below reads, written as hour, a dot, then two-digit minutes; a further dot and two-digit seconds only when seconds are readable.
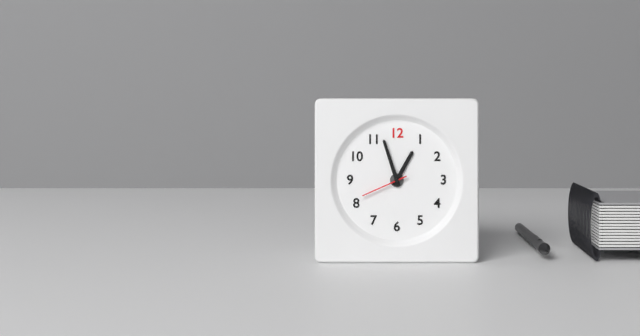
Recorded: 12.57
